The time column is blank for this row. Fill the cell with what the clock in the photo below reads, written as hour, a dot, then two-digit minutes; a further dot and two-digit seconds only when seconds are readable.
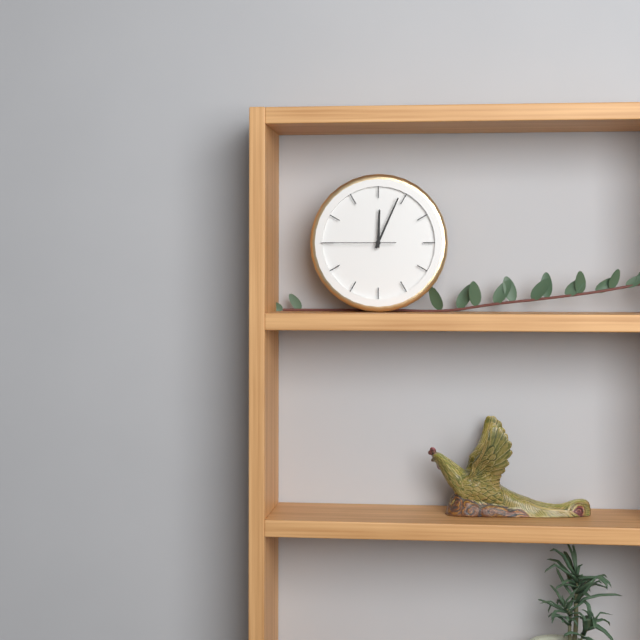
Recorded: 12.04.45
